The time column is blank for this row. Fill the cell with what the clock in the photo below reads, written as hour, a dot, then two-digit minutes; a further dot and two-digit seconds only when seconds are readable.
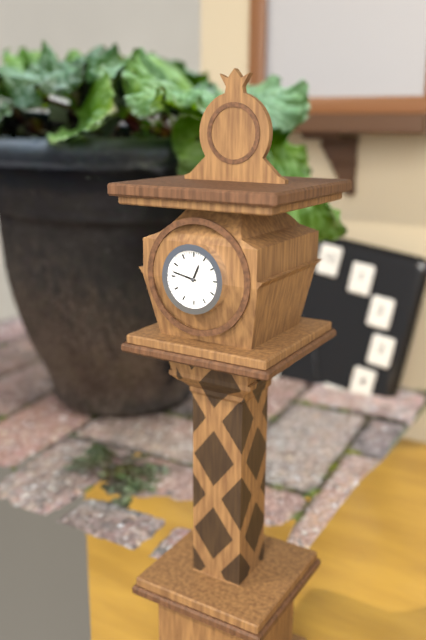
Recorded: 12.47
